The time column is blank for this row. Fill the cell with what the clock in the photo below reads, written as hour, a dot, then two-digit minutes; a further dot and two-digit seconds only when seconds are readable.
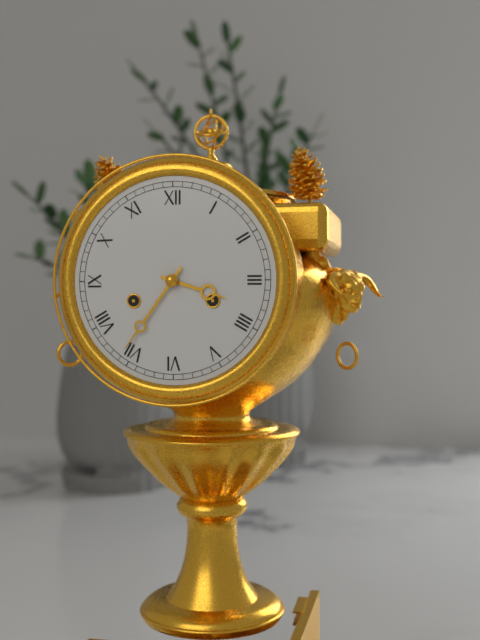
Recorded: 3.36
